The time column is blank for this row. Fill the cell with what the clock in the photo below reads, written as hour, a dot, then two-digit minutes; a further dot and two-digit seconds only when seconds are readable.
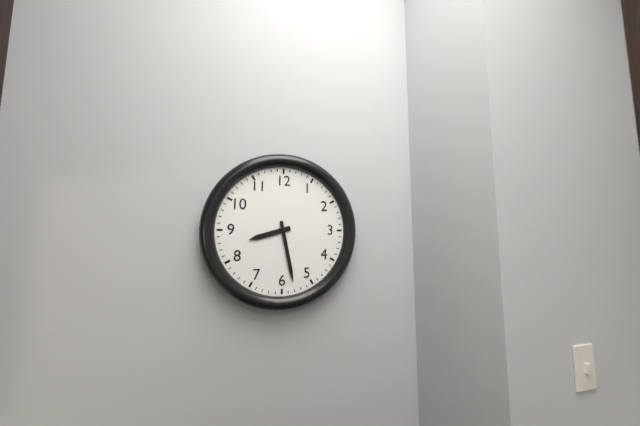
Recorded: 8.28
